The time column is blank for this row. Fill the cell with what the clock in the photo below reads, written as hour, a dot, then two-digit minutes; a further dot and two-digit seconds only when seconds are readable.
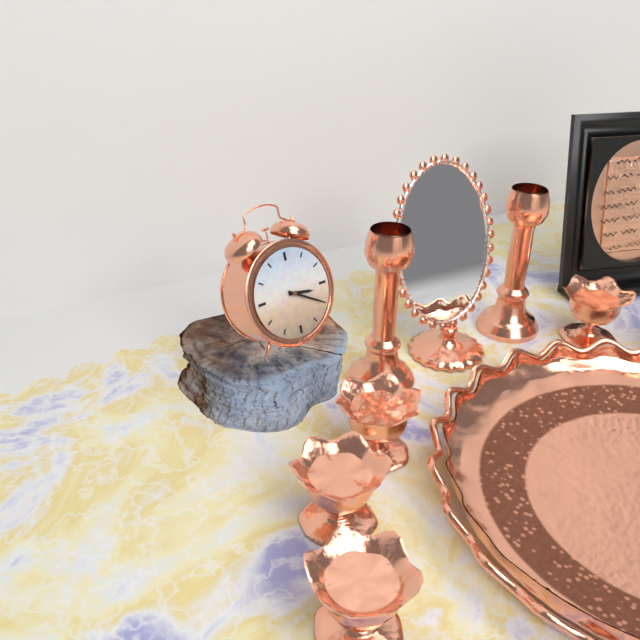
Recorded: 3.20
